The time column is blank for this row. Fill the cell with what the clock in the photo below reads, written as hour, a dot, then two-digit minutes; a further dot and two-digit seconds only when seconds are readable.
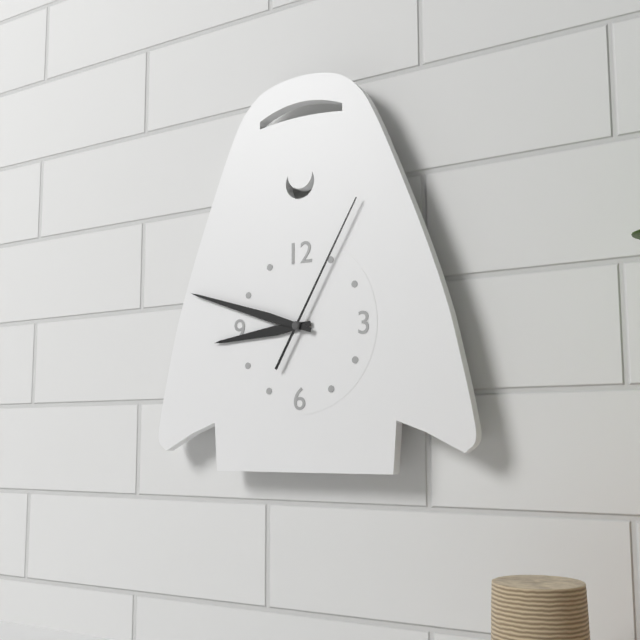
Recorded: 8.48.05
